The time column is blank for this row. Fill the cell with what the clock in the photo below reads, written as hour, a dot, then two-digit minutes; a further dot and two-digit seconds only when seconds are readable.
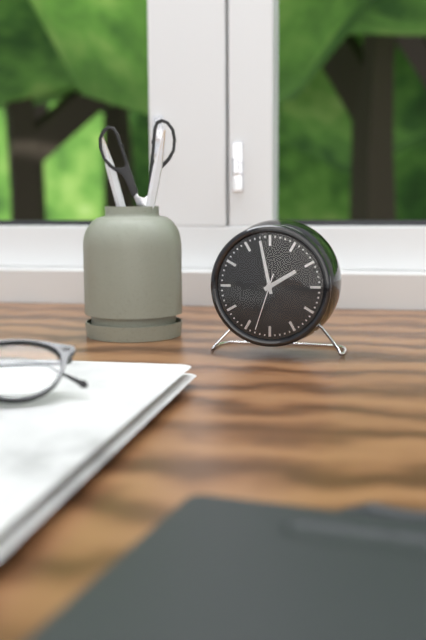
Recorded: 1.58.33
